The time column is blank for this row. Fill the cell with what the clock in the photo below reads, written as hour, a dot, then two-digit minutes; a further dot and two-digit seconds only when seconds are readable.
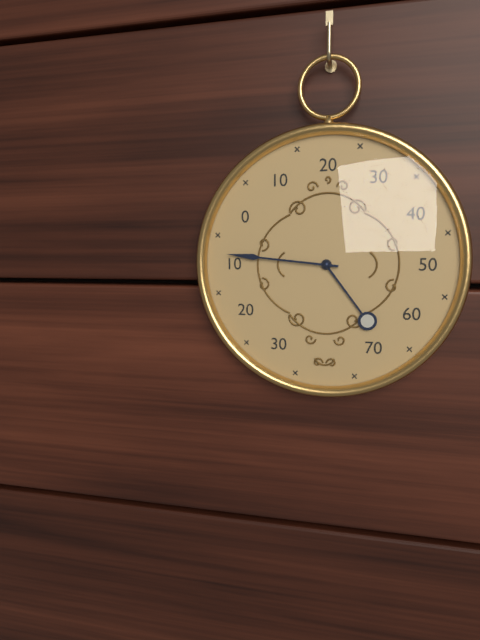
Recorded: 4.46
